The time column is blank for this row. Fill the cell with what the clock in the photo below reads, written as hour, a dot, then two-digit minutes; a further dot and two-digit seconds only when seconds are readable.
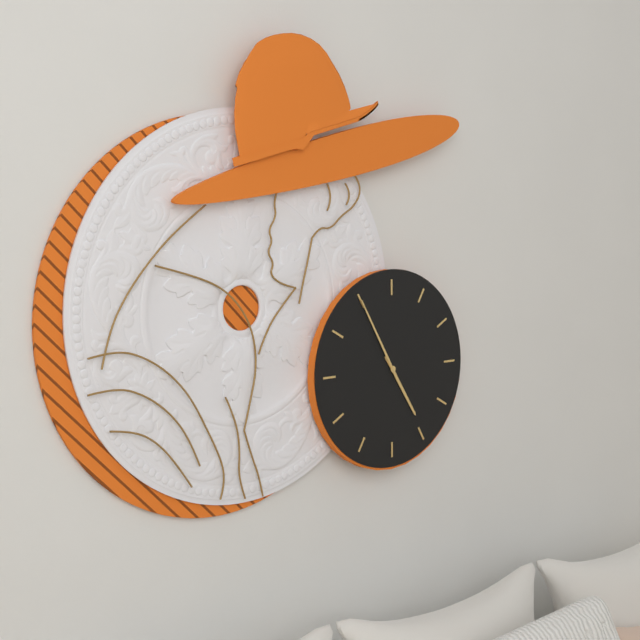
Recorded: 4.55
